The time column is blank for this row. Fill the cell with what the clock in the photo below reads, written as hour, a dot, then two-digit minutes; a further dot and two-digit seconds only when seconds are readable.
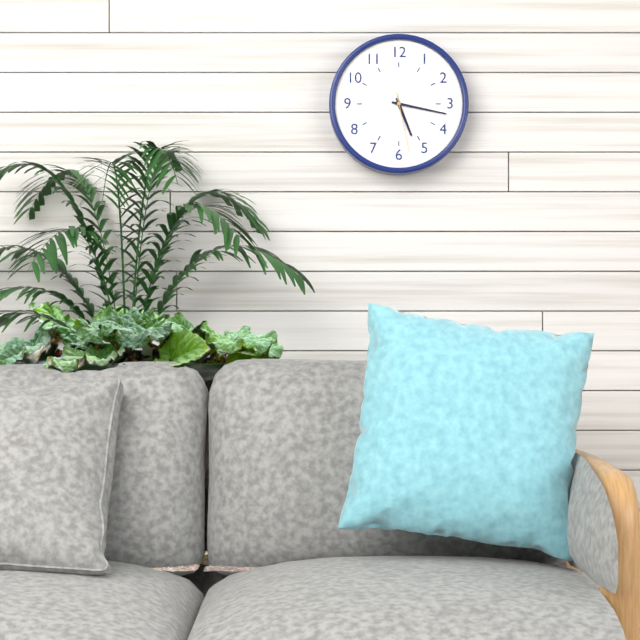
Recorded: 5.17.28
